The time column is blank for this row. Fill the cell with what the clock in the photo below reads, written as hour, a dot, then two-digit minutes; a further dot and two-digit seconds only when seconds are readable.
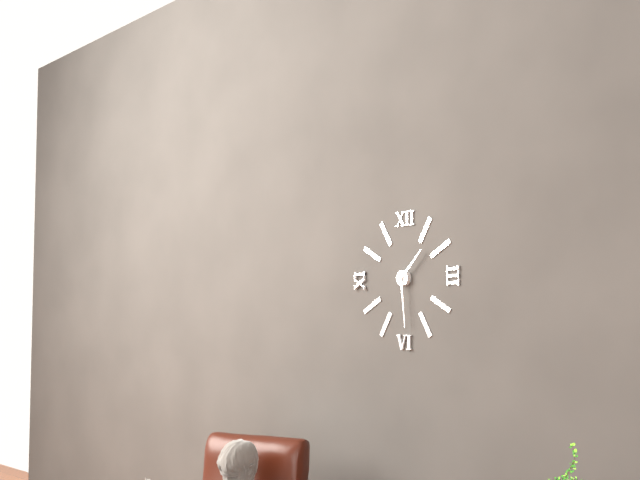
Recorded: 1.29
